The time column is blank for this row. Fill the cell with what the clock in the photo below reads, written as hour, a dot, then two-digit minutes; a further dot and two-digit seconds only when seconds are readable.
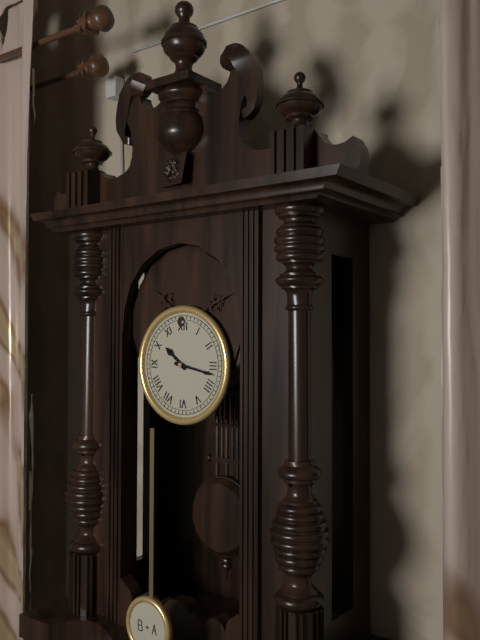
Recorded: 10.17
